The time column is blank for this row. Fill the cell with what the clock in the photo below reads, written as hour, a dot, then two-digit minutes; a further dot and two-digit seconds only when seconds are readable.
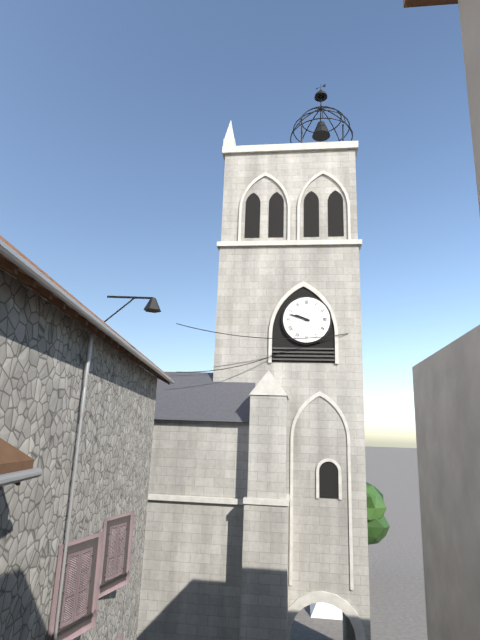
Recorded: 9.48
